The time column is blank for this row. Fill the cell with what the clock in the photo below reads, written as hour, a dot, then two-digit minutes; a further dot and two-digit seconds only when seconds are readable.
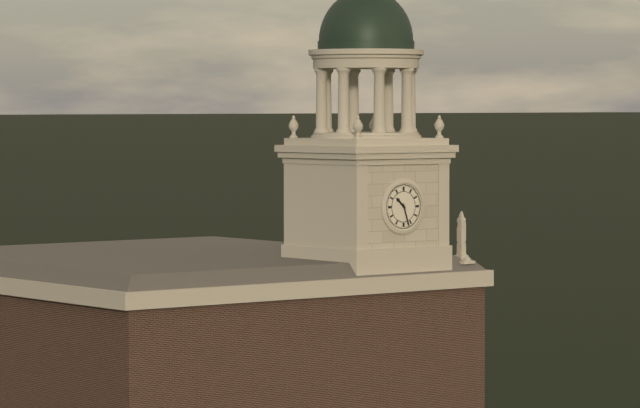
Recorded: 10.27
